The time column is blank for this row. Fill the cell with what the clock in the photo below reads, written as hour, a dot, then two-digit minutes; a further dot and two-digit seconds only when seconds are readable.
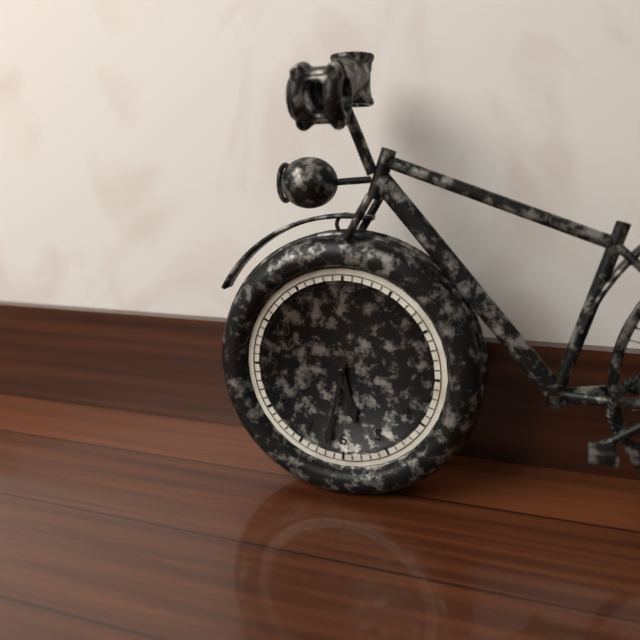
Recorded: 5.32
